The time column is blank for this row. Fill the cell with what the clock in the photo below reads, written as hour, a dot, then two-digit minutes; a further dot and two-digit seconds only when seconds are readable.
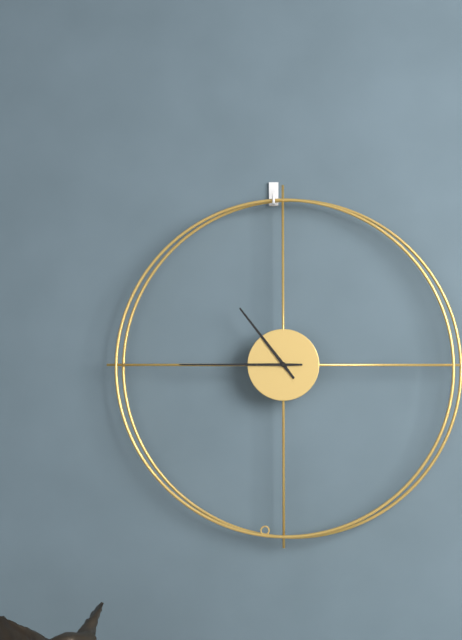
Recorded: 10.45
